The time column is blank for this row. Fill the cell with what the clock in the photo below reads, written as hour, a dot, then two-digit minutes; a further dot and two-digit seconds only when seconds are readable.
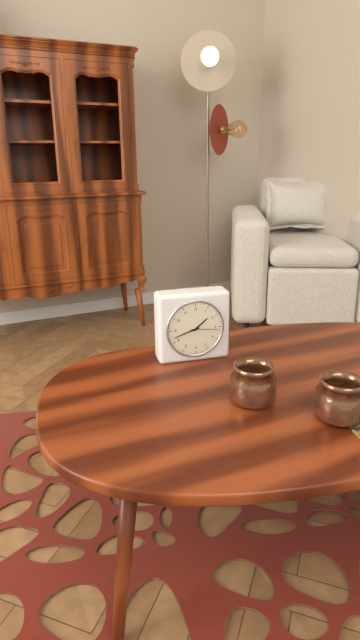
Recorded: 1.42
